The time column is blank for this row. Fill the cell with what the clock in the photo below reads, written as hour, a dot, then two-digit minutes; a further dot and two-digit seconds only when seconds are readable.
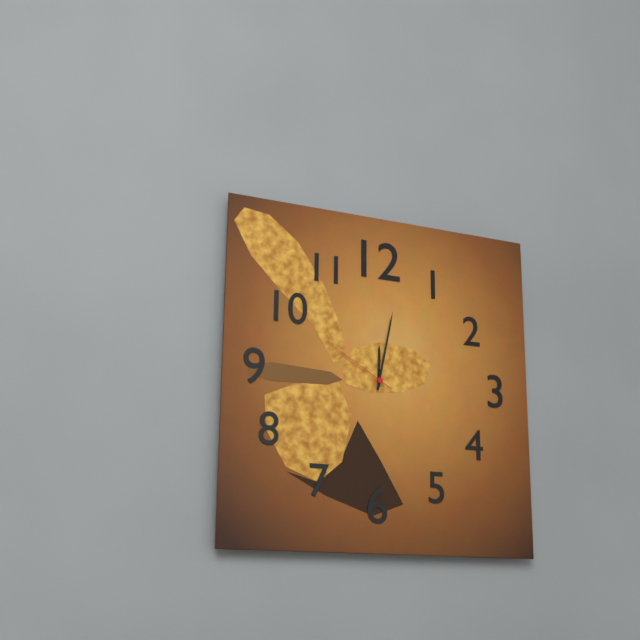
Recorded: 12.02.50
